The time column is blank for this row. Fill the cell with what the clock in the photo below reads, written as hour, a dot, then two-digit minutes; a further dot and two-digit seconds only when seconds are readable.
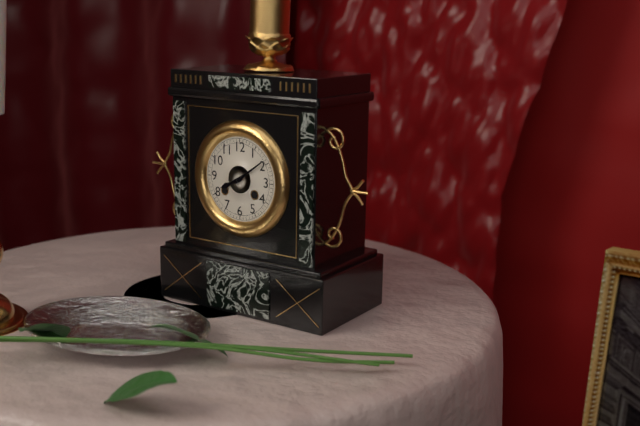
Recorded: 8.09
